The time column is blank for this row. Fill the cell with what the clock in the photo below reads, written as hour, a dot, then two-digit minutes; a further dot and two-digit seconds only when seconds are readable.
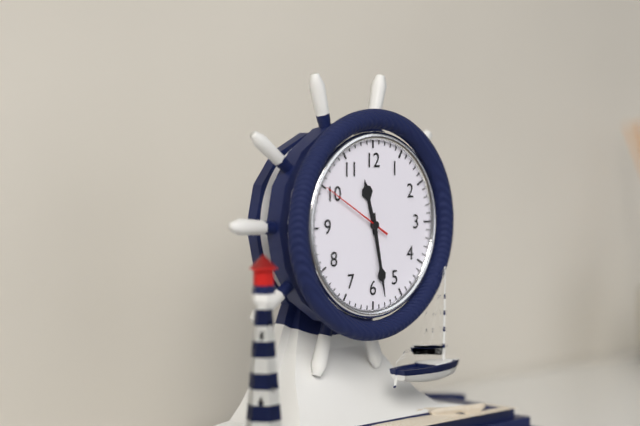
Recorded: 11.28.50
